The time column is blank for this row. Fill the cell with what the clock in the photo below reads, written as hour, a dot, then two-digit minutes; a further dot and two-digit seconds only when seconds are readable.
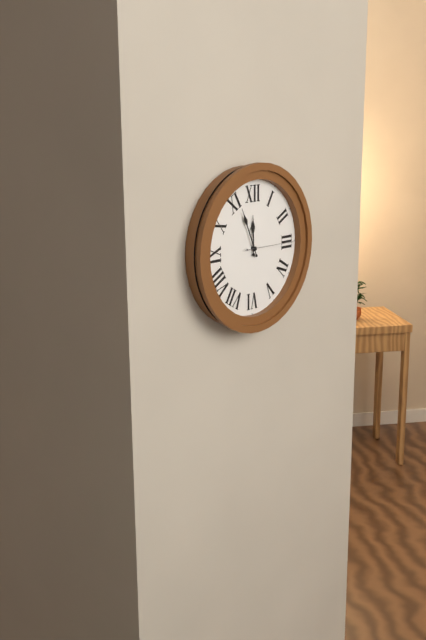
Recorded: 11.56.15
